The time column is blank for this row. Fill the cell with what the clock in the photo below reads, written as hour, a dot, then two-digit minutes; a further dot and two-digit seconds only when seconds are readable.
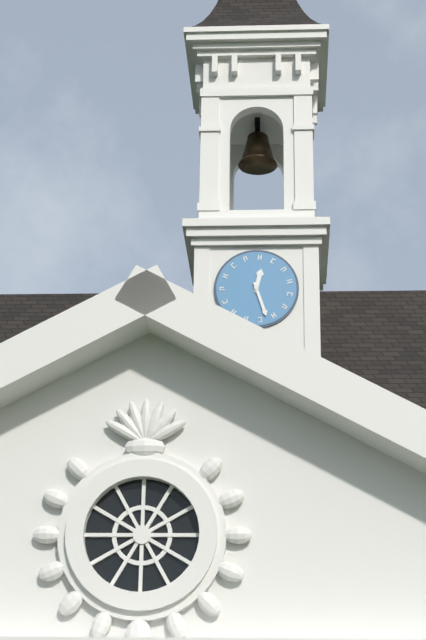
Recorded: 12.27
